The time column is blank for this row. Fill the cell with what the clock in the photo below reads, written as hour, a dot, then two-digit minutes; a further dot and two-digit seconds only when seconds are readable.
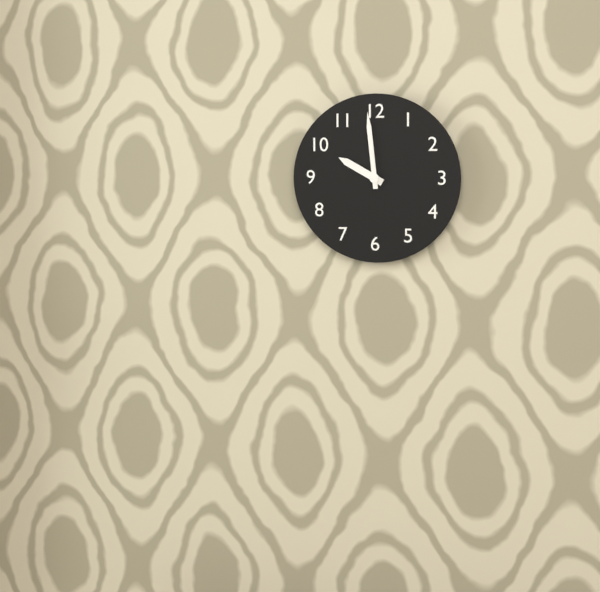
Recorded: 9.59
